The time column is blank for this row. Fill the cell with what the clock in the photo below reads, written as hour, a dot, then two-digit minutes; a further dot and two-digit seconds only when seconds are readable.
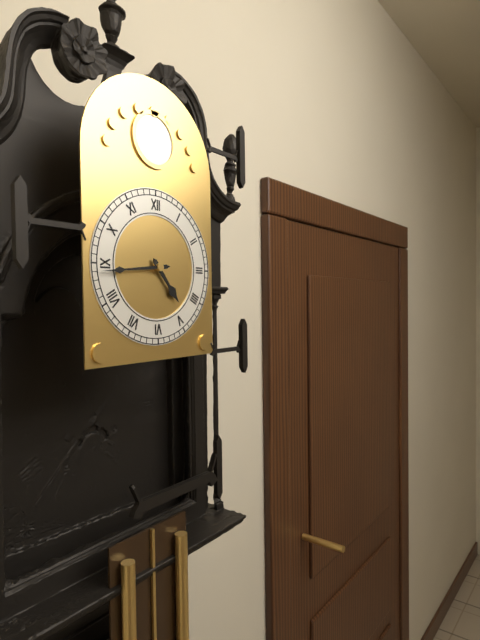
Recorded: 4.44
